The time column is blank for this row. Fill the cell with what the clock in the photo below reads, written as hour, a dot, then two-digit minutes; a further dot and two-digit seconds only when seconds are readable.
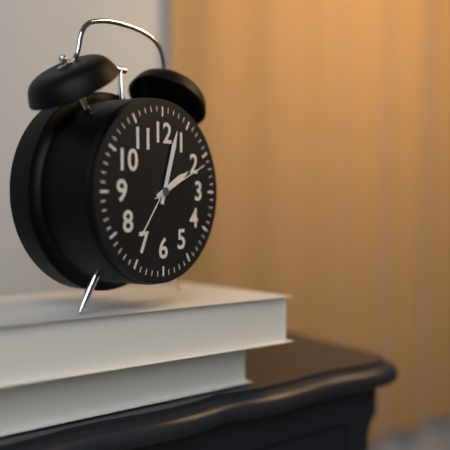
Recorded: 2.03.11
